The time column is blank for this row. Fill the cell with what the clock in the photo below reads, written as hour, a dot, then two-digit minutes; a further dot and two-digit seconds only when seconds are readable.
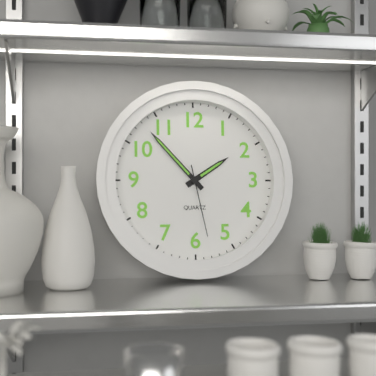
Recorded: 1.53.28
